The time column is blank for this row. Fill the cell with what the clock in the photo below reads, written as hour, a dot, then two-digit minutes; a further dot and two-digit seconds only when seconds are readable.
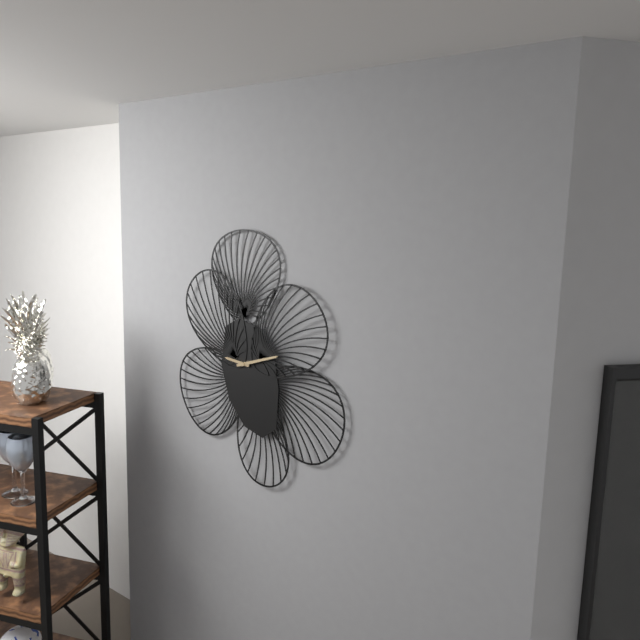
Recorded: 9.12
